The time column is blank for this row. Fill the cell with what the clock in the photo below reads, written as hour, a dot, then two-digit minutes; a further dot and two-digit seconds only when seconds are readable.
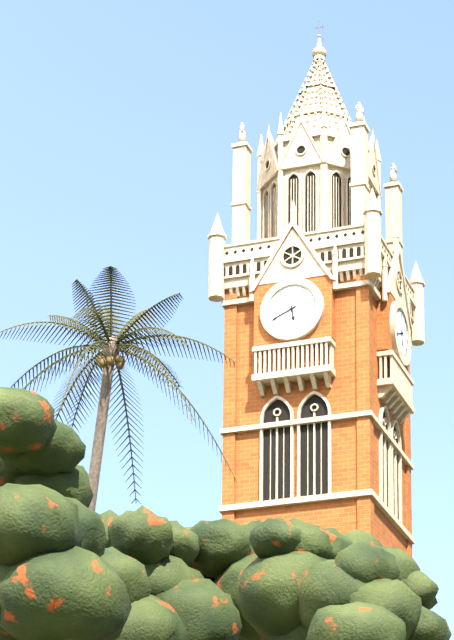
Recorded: 5.41
